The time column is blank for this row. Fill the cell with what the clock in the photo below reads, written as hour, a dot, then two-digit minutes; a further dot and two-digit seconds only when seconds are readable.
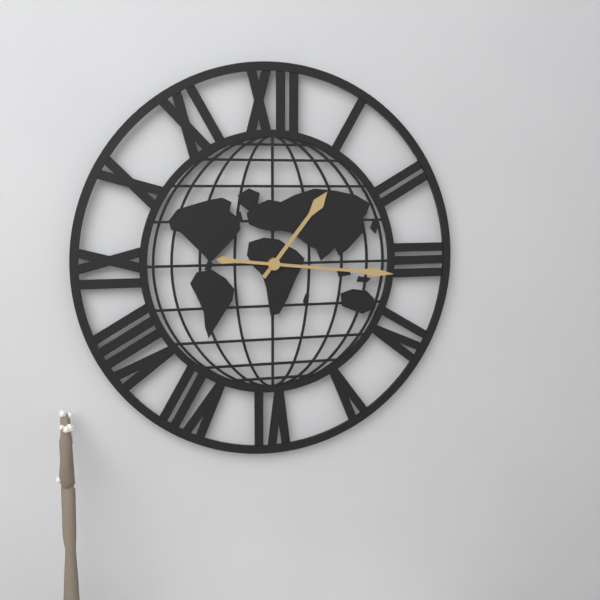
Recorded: 1.16
